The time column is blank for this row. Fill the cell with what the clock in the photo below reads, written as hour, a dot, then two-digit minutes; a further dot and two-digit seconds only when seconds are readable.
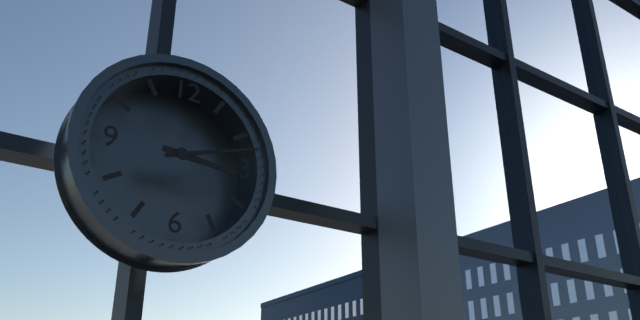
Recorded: 3.12
